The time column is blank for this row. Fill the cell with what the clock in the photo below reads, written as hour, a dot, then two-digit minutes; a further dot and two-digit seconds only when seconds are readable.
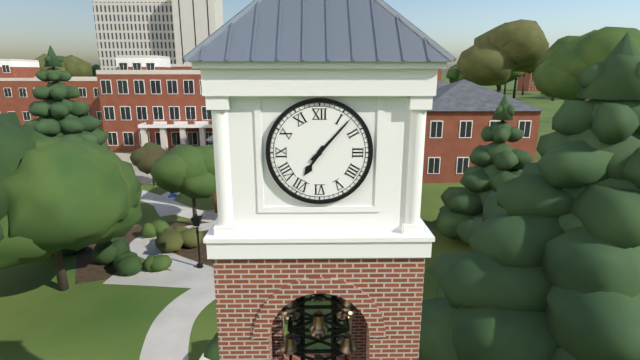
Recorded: 7.07
